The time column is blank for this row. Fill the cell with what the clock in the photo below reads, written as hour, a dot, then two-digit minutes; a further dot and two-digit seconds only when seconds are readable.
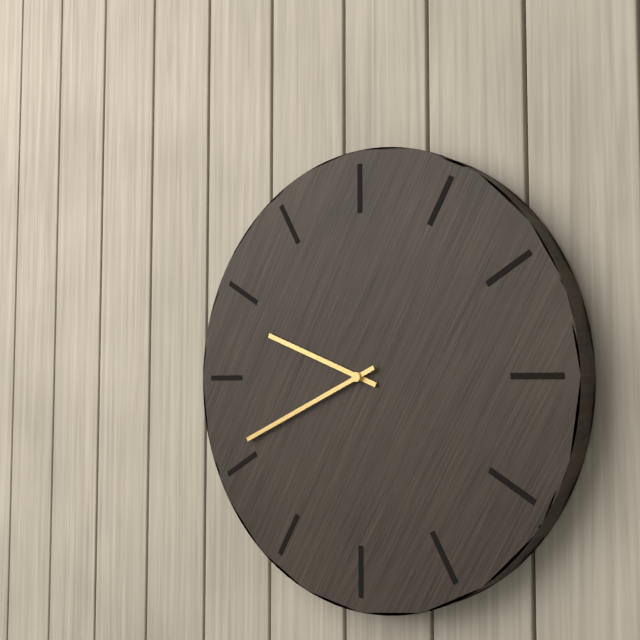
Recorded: 9.41
